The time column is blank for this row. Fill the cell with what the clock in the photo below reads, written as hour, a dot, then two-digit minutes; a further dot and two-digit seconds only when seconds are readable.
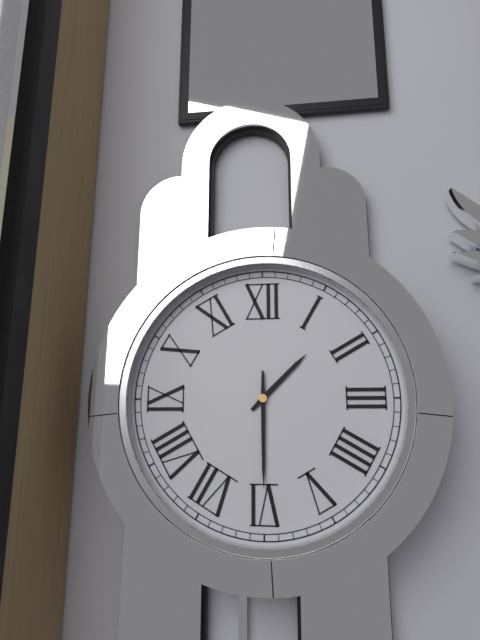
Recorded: 1.30
